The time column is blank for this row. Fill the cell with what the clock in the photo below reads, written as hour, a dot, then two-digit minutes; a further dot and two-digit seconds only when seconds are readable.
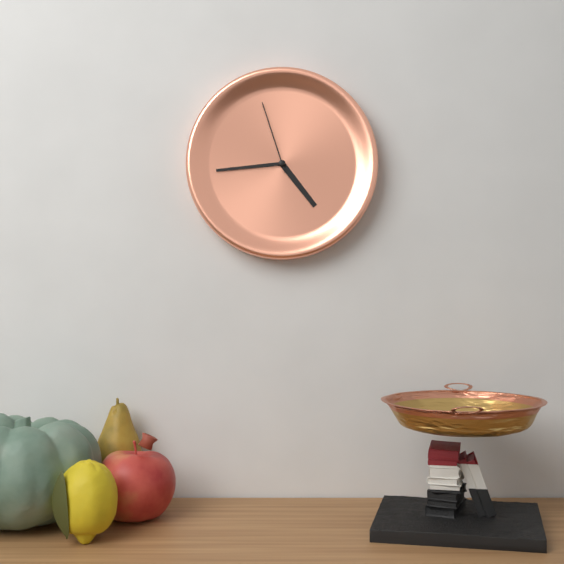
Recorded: 4.44.57
